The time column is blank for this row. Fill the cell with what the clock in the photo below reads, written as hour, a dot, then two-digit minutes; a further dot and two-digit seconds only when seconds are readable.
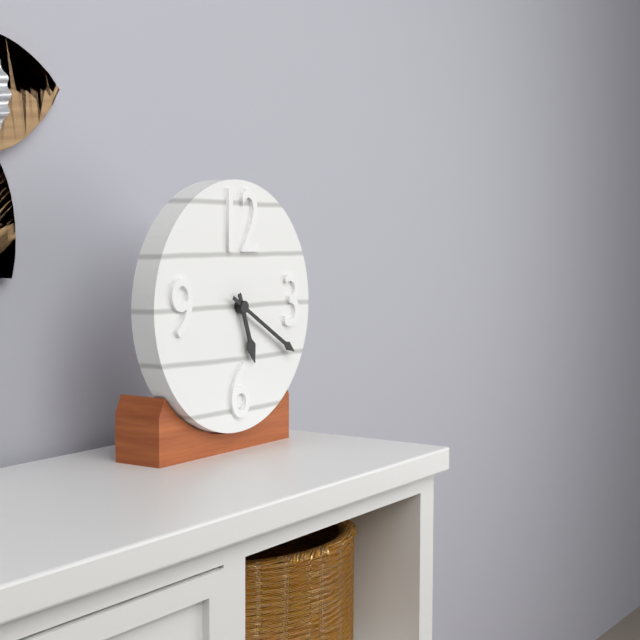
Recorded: 5.20
